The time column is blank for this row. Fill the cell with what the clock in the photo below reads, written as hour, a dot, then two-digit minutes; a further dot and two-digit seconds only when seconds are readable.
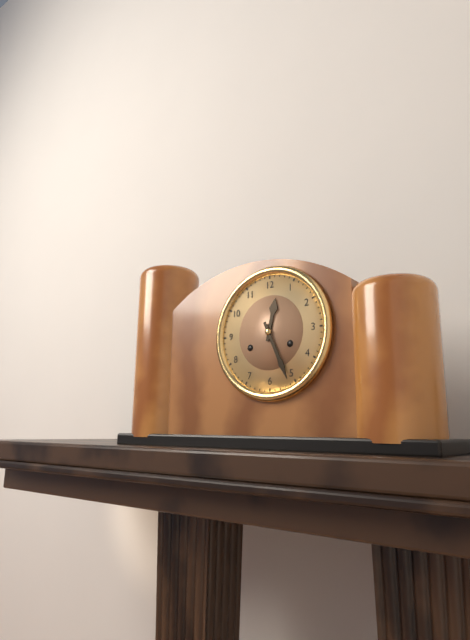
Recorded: 12.26
